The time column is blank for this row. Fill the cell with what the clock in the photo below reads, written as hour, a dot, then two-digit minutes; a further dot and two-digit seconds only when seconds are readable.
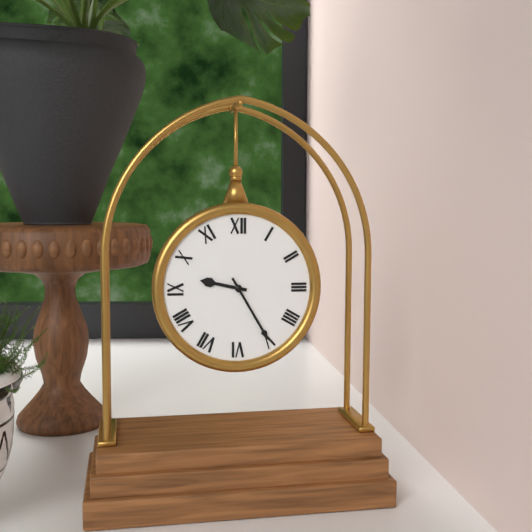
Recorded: 9.25
